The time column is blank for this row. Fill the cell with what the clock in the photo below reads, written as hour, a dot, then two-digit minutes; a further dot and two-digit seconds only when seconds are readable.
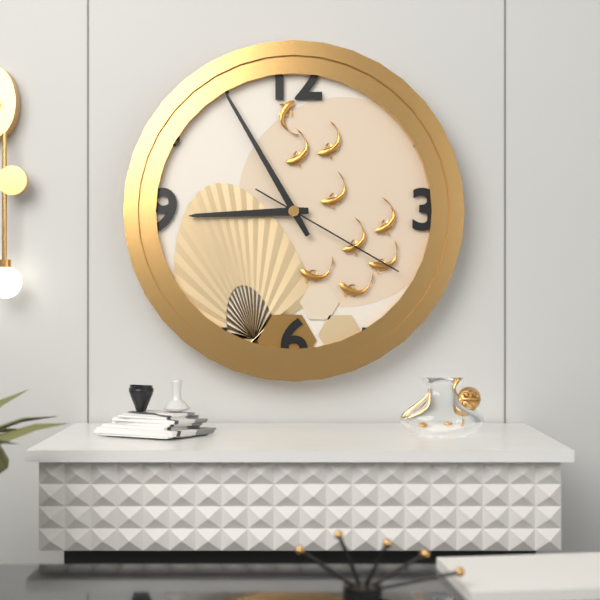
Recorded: 8.55.20
